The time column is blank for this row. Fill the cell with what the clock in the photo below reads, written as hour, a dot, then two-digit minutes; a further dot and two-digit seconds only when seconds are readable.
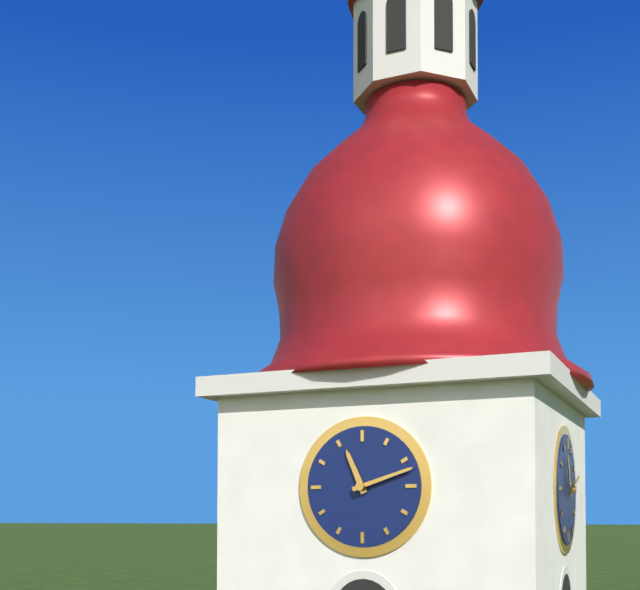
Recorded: 11.12
